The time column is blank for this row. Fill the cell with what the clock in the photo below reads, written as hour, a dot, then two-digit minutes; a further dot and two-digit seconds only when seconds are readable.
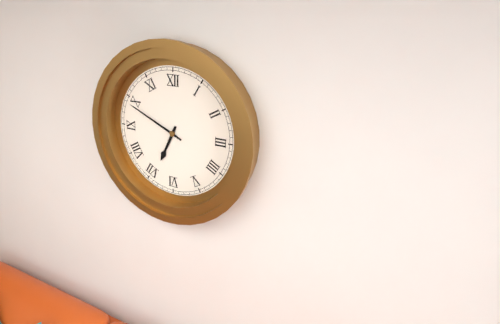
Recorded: 6.49
